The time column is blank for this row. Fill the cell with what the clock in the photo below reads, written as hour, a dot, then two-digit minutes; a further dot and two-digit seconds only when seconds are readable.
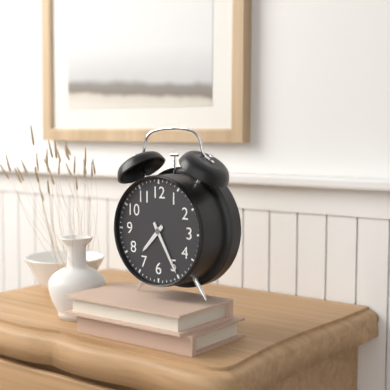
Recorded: 7.25
